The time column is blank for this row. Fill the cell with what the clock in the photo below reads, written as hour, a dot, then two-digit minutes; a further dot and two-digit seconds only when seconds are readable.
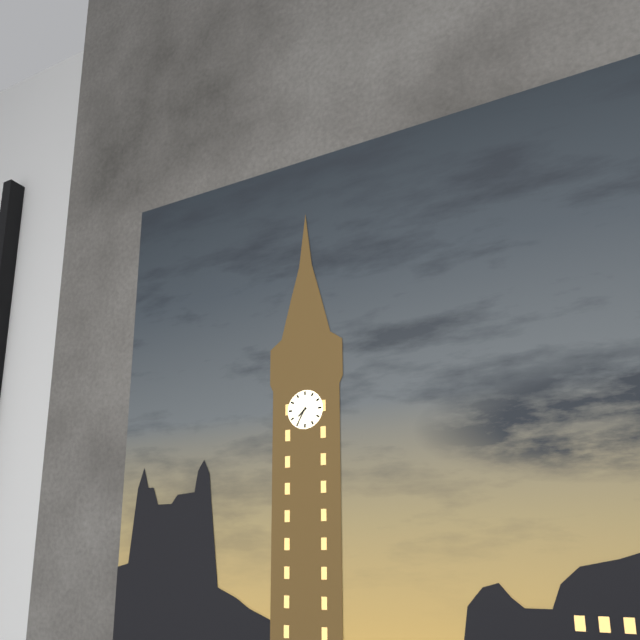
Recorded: 7.35
